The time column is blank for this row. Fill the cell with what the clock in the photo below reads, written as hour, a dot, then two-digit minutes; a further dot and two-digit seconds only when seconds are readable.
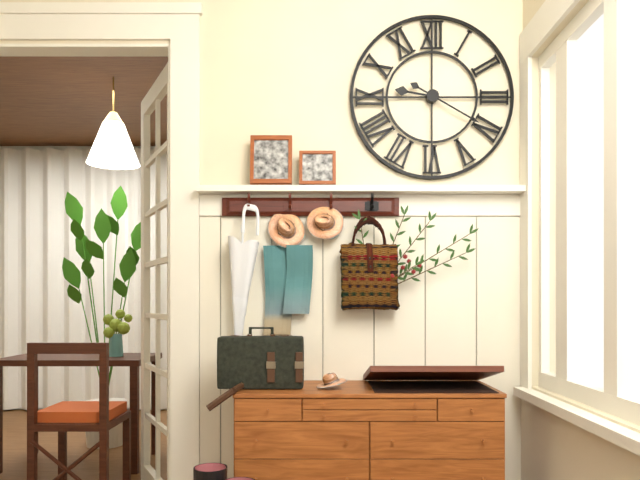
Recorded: 9.20
